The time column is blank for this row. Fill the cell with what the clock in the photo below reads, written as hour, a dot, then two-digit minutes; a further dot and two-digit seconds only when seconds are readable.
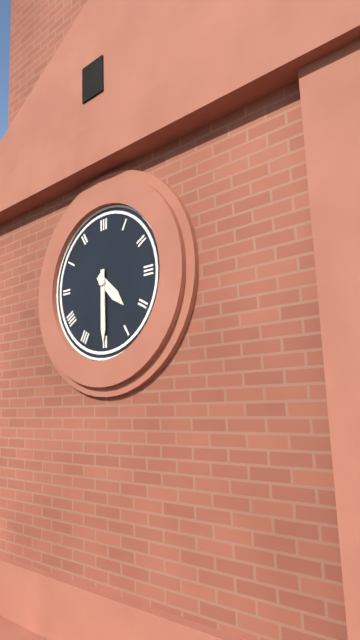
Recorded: 4.30
